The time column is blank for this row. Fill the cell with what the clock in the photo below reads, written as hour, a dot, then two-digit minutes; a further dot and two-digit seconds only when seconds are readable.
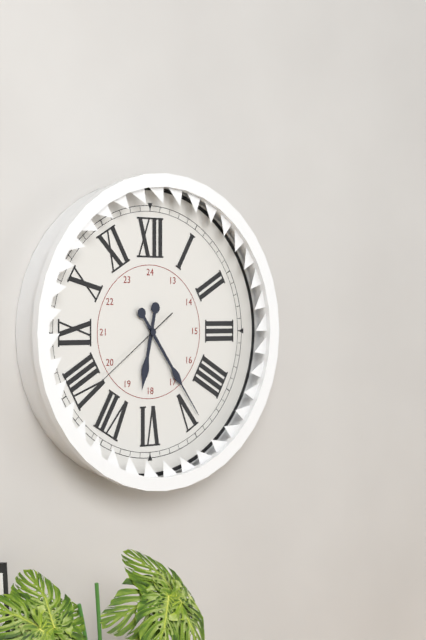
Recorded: 6.24.39
